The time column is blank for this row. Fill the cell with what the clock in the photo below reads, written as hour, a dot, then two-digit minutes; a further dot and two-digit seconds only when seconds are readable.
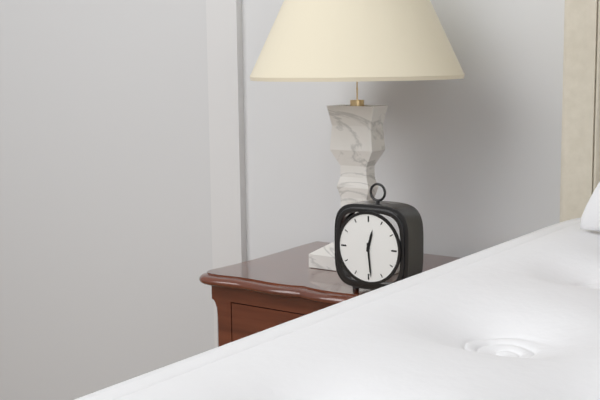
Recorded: 12.29
